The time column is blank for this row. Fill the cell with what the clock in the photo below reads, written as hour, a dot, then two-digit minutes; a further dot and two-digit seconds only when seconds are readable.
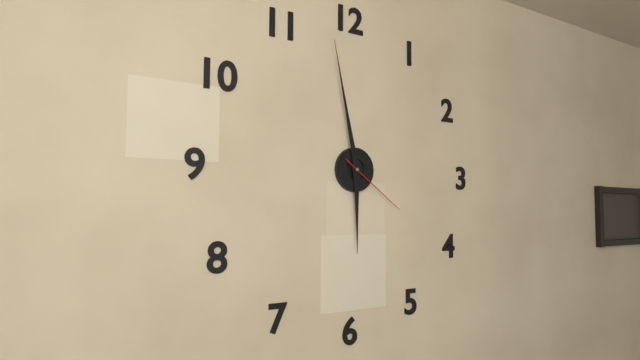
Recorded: 5.58.21
